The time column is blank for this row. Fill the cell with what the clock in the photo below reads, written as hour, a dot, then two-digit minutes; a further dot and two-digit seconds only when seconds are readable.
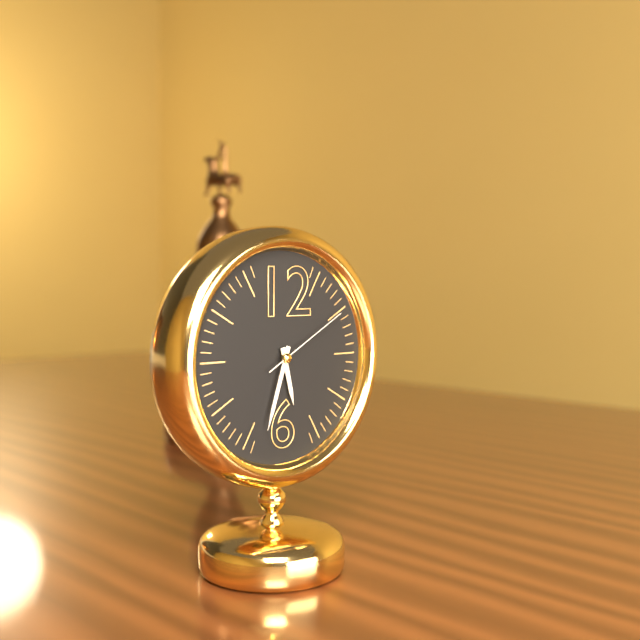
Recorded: 5.33.10
